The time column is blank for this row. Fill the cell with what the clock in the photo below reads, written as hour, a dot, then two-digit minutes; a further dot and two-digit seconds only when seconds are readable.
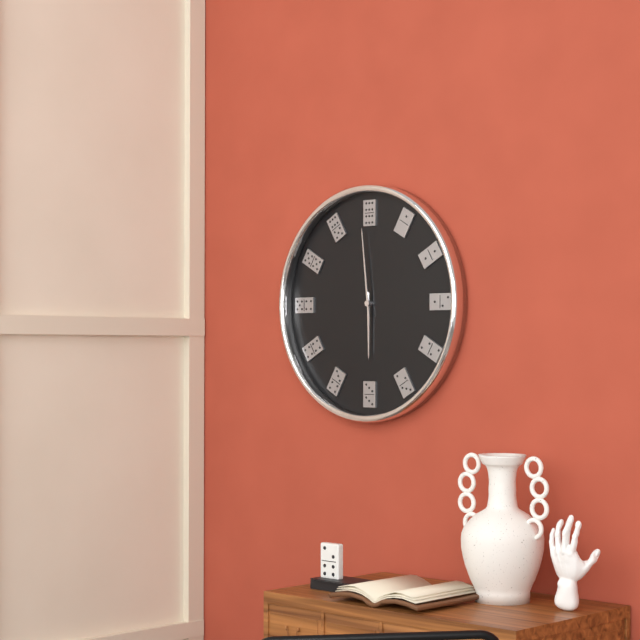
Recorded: 5.59
